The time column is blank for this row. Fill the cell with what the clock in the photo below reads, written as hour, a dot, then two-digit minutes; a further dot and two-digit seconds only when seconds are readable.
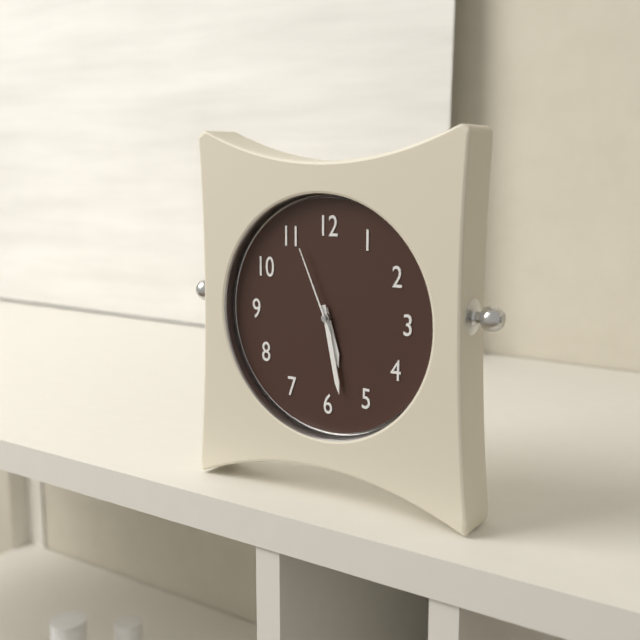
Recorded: 5.28.56
